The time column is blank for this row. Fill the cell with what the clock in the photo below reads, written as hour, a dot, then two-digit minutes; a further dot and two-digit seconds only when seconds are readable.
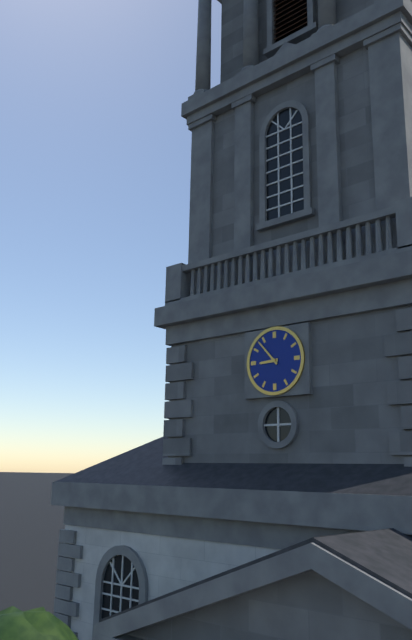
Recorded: 8.53
